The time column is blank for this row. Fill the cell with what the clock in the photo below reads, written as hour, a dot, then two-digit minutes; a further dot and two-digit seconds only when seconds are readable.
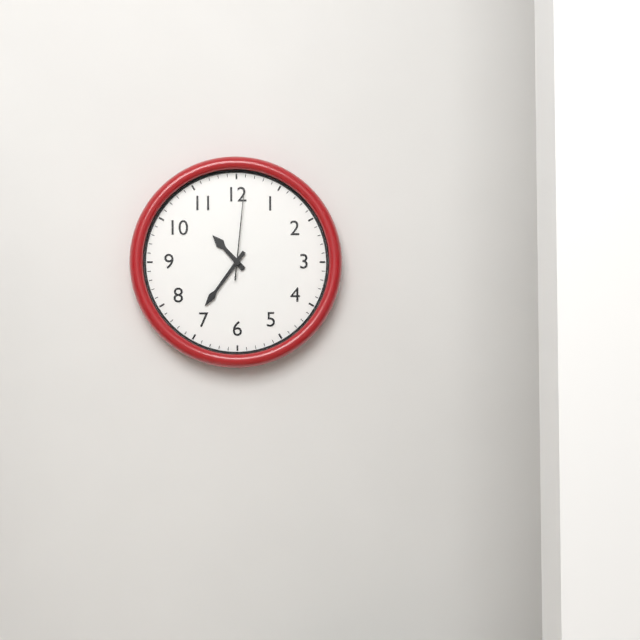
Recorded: 10.36.01
